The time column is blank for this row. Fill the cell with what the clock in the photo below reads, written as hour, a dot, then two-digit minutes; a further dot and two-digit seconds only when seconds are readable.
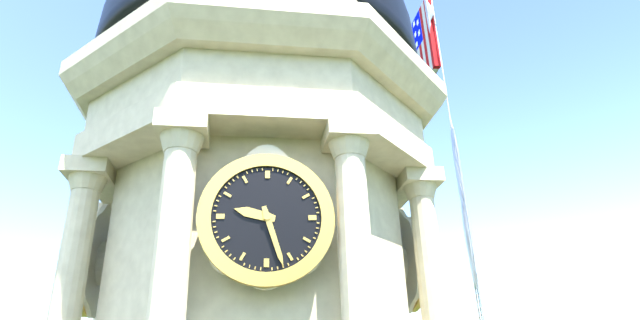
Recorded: 9.27
